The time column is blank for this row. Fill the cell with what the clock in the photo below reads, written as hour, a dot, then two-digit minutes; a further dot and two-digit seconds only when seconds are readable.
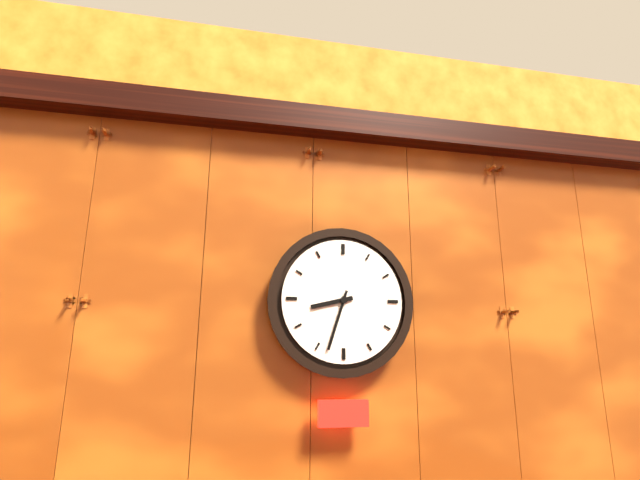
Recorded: 8.33
